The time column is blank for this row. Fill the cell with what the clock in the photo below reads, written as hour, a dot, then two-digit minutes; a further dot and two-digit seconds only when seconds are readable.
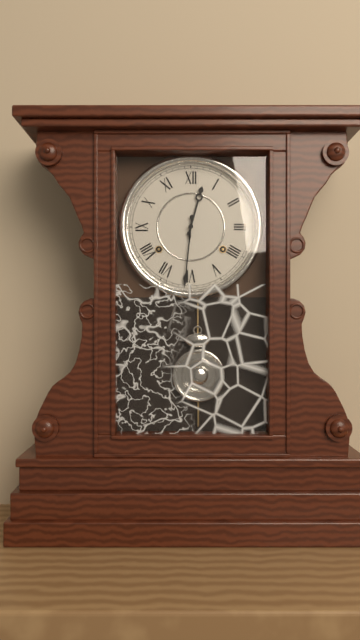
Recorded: 12.31
